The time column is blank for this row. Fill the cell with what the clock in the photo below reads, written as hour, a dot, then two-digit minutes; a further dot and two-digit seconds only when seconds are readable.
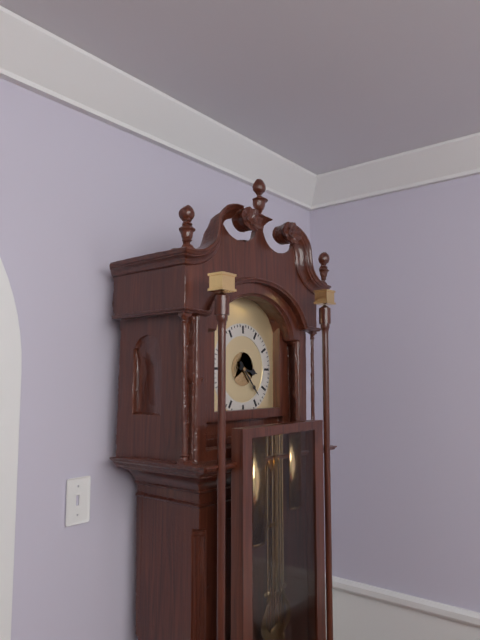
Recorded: 3.23
